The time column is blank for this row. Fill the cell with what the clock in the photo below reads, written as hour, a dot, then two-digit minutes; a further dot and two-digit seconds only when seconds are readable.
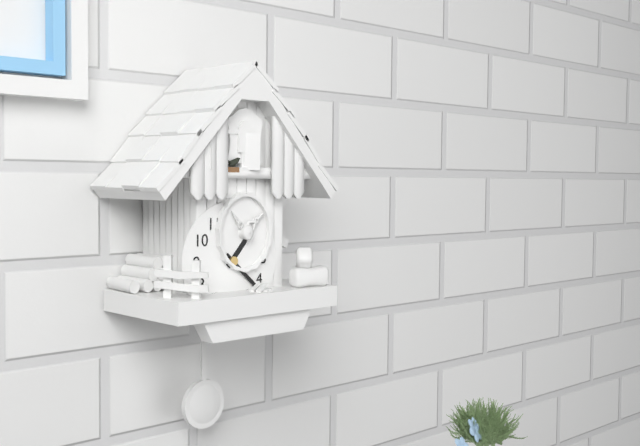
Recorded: 1.22
